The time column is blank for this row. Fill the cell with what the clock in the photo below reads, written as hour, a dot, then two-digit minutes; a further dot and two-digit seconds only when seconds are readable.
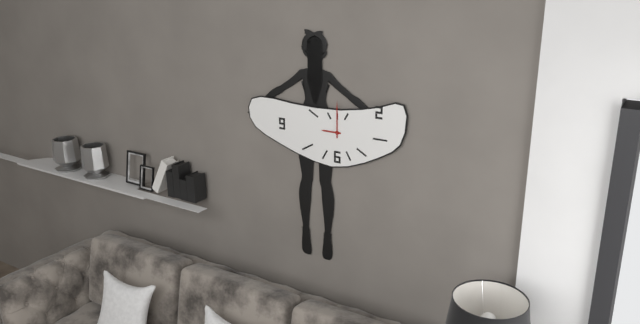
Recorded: 9.00
